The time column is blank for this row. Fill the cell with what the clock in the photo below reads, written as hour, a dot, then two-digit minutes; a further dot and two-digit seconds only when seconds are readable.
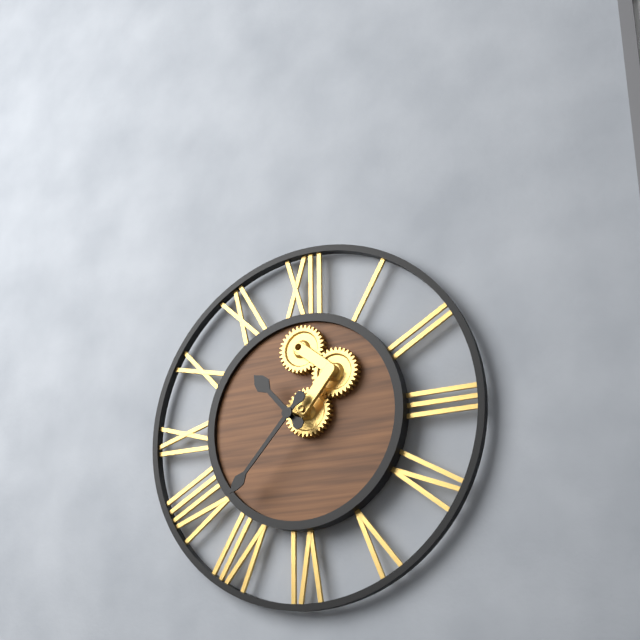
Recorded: 10.37
